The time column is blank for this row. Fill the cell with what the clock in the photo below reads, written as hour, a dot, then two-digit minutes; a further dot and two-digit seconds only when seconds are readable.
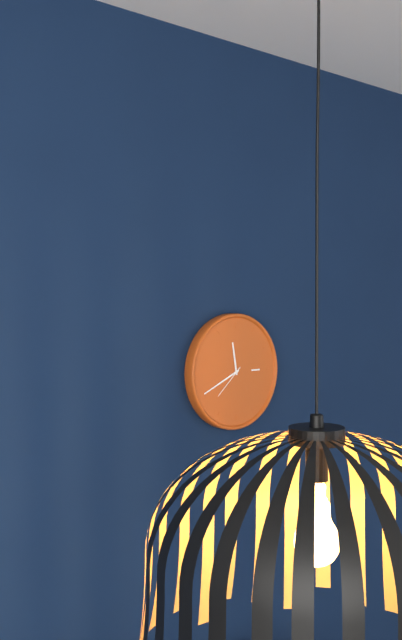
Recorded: 11.41
